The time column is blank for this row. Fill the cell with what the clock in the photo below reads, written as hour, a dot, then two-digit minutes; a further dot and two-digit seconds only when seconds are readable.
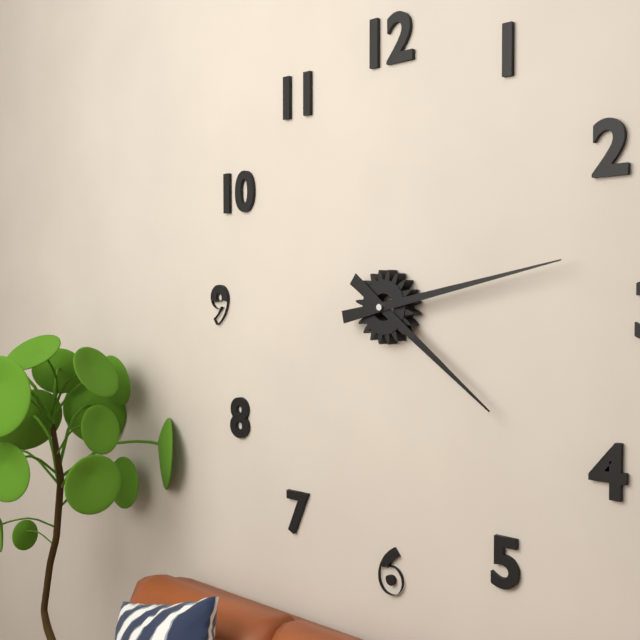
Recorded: 4.13
